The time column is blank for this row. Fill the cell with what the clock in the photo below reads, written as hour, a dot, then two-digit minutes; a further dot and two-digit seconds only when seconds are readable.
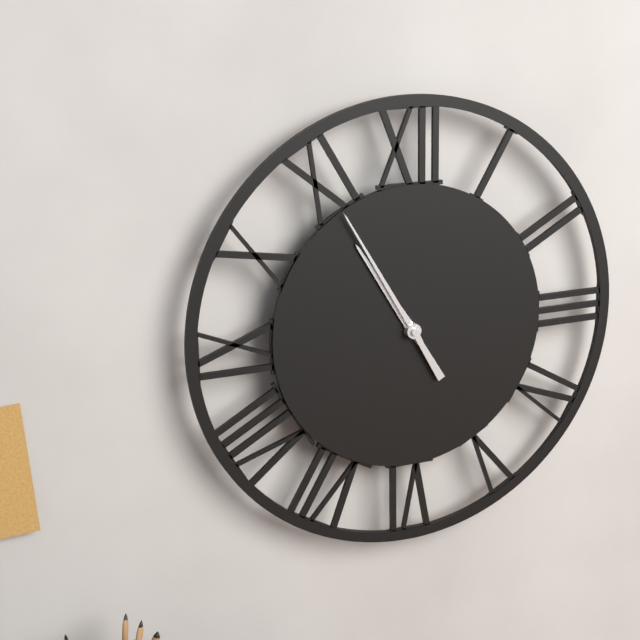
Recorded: 10.55
